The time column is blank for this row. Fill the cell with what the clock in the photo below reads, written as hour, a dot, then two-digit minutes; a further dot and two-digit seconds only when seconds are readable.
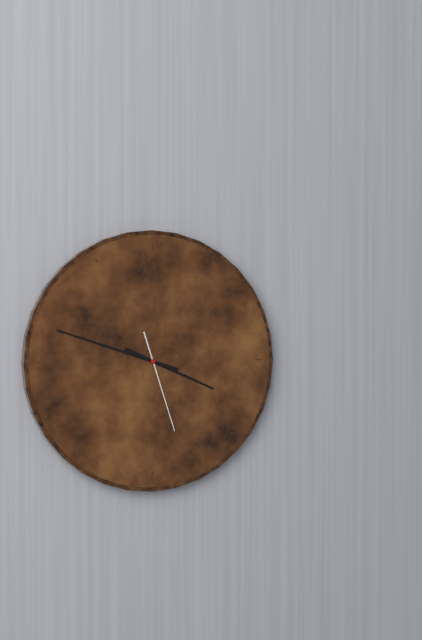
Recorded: 3.48.27
